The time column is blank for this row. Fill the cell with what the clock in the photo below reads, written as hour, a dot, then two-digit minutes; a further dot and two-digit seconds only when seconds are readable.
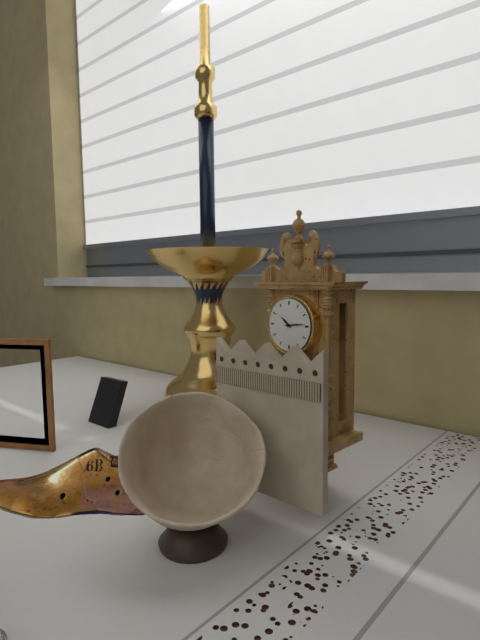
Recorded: 10.14
